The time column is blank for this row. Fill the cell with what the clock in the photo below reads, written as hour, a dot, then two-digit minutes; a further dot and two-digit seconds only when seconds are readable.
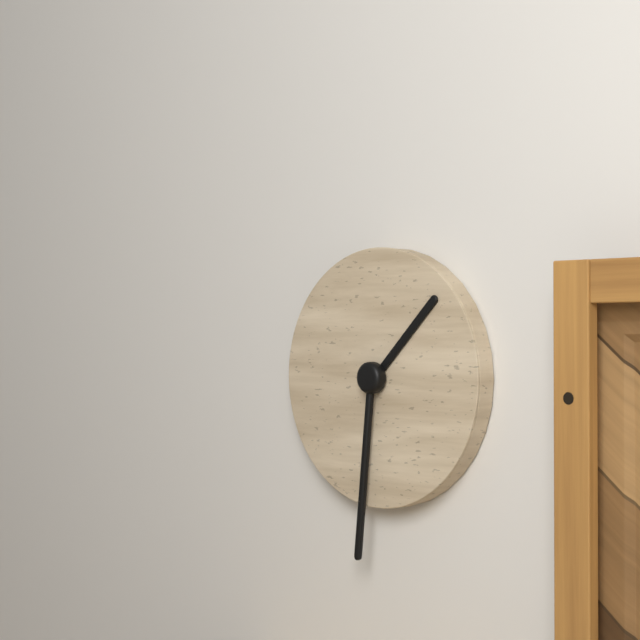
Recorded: 1.31
